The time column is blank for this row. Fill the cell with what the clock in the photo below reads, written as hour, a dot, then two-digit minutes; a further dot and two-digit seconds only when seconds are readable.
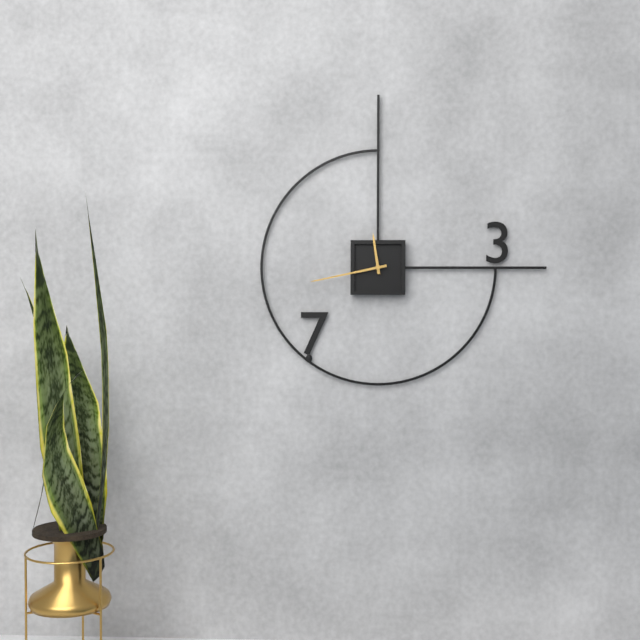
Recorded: 11.43
